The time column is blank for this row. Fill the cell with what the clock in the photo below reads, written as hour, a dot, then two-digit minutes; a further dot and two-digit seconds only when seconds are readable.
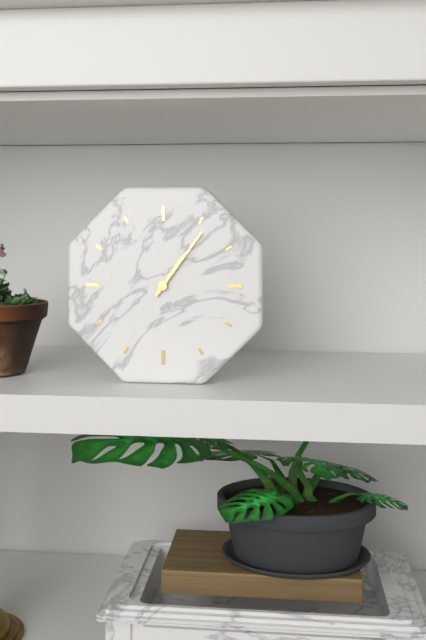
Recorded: 1.06
